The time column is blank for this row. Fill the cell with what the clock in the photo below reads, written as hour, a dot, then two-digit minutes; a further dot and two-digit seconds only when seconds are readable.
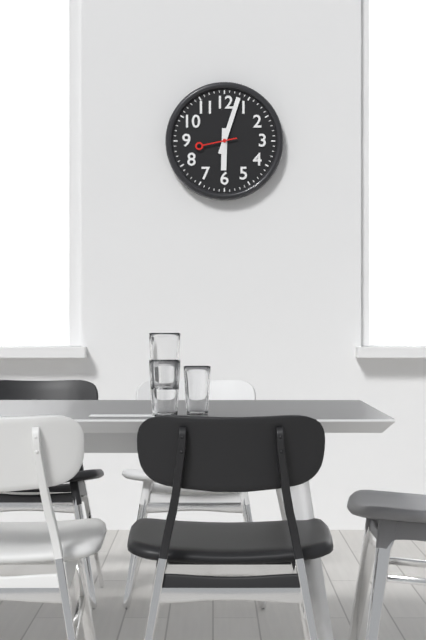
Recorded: 6.03
